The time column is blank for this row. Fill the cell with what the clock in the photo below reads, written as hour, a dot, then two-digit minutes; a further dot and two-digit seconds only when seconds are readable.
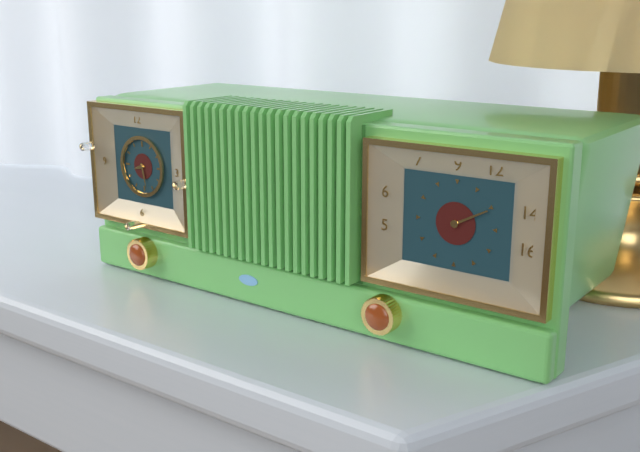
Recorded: 8.28
